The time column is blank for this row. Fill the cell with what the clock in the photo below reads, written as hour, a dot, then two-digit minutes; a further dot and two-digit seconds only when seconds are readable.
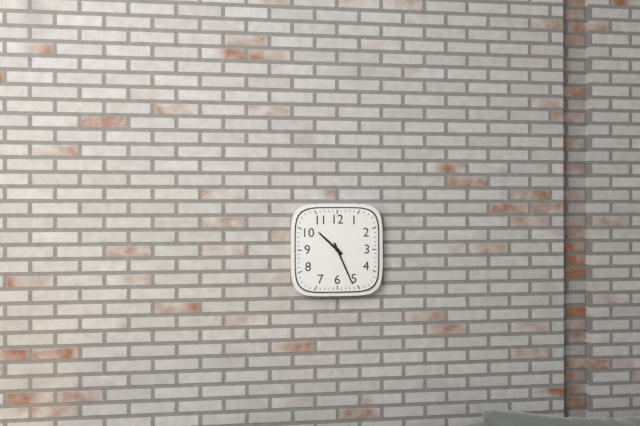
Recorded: 10.26
